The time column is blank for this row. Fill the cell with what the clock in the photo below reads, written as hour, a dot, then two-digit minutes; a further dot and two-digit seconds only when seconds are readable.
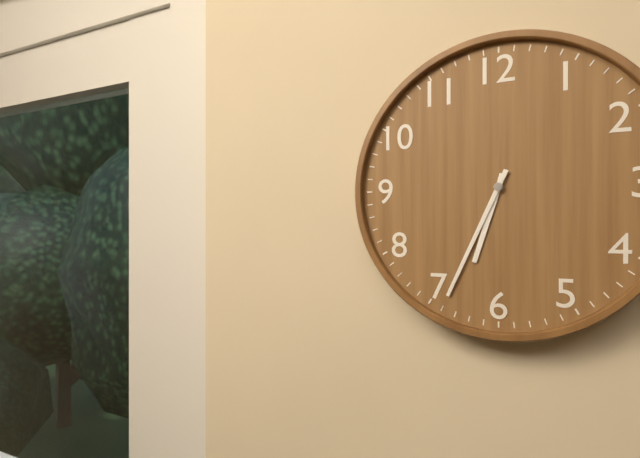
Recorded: 6.34
